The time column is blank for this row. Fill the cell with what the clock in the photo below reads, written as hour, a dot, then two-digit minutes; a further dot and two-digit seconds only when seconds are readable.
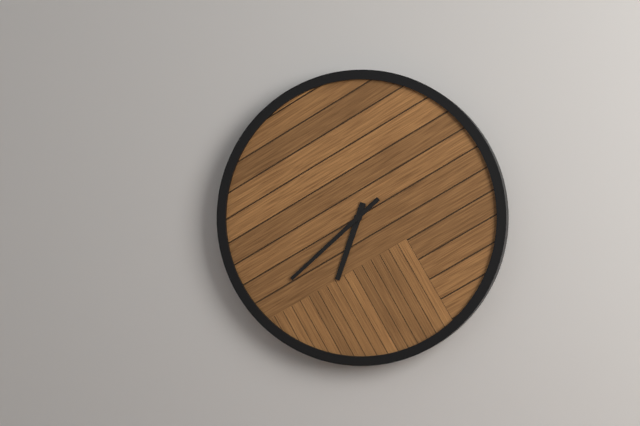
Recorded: 6.38
